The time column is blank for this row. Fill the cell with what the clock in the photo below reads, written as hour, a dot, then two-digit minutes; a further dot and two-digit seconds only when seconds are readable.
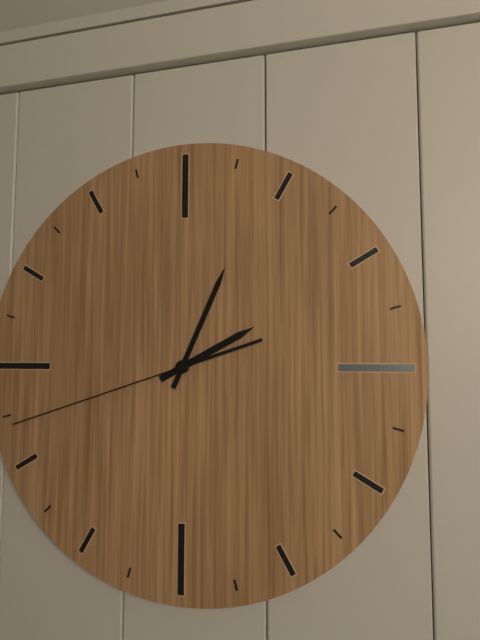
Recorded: 2.04.42
